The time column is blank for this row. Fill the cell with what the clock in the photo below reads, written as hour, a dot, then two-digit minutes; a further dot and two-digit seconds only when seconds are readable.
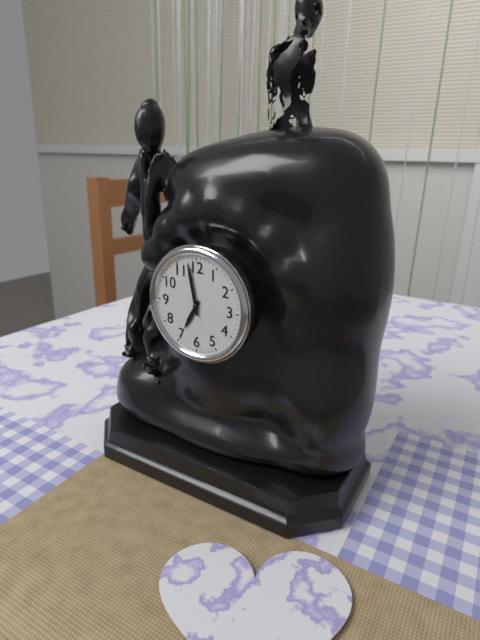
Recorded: 6.58
